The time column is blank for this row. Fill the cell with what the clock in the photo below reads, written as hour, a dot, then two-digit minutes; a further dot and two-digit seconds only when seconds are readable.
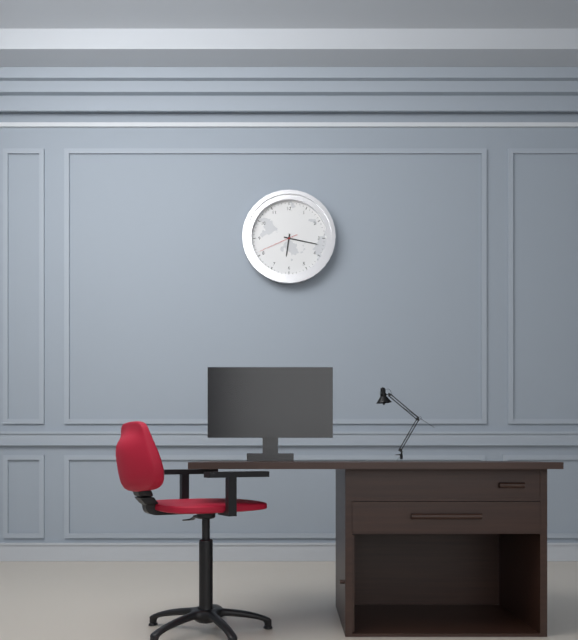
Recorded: 6.17
